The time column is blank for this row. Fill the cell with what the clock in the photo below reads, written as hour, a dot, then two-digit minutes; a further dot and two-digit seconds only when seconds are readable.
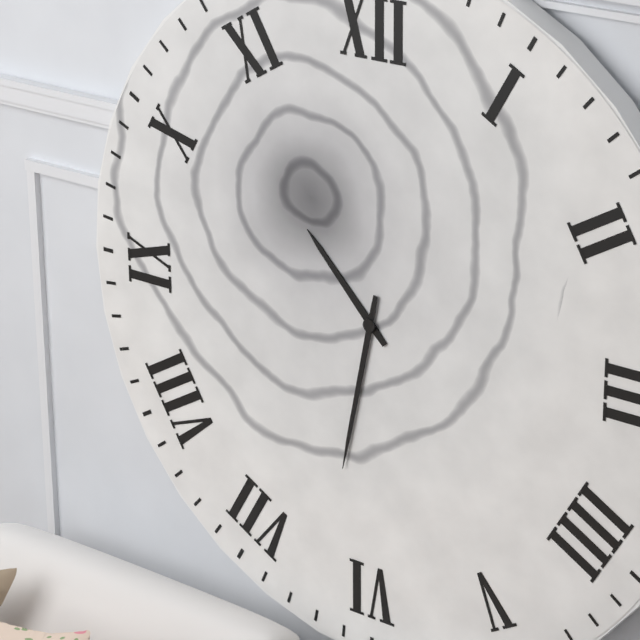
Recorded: 10.32
